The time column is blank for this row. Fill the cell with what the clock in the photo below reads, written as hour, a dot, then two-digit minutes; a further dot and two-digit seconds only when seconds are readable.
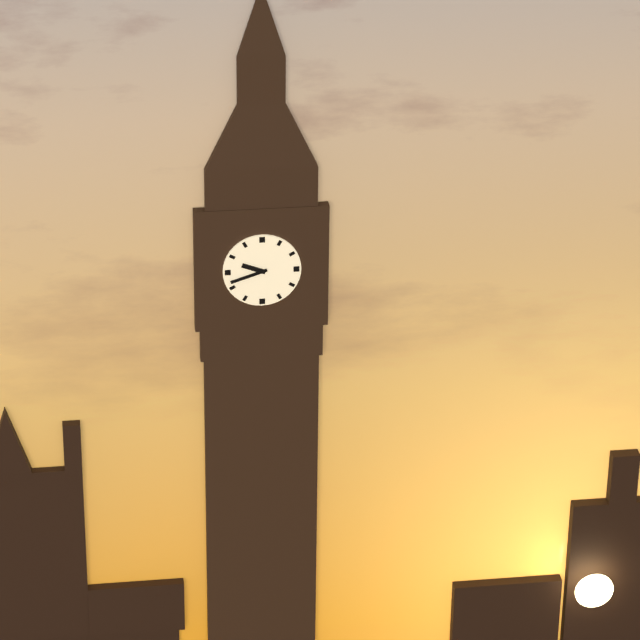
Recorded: 9.42
